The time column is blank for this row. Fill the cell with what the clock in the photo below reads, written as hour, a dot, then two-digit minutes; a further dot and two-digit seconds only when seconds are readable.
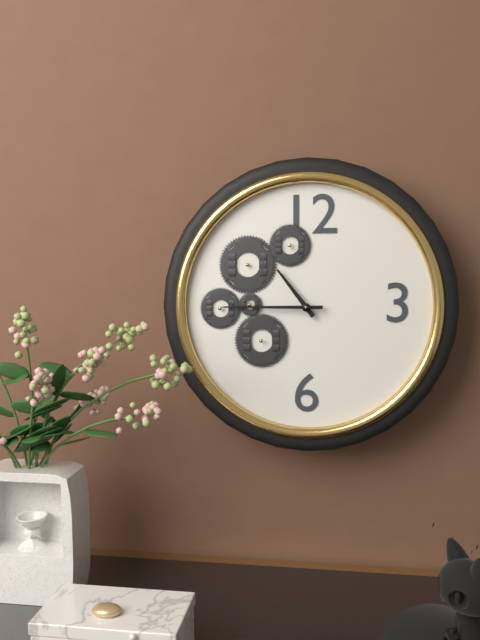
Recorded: 10.45
